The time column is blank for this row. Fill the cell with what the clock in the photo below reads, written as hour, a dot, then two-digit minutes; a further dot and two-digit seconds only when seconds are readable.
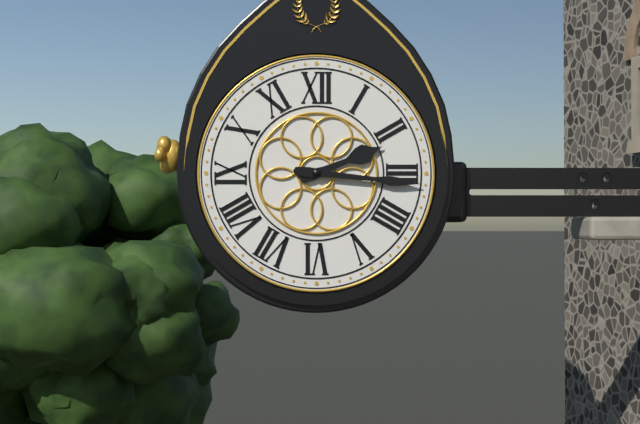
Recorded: 2.16
